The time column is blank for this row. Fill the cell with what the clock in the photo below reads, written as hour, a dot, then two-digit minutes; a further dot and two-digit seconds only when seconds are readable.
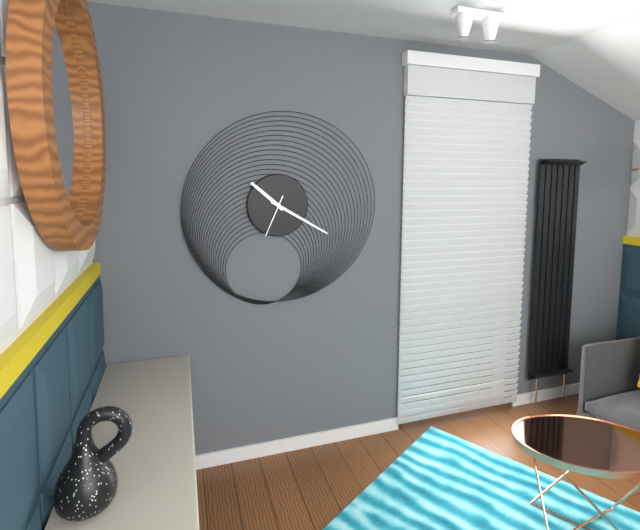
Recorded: 10.20
